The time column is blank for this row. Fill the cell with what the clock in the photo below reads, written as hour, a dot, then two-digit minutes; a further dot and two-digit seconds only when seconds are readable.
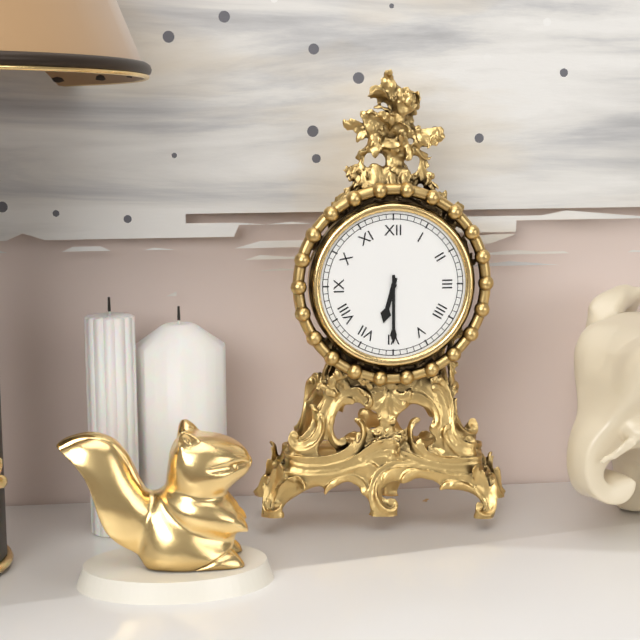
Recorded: 6.30
